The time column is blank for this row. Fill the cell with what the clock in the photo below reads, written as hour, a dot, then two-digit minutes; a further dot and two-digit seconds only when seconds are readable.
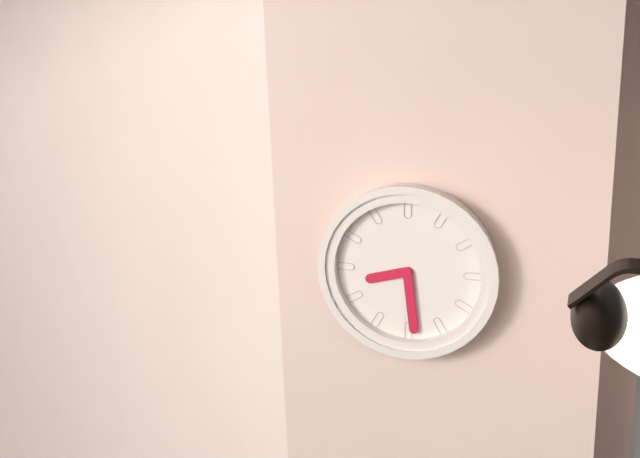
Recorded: 8.29
